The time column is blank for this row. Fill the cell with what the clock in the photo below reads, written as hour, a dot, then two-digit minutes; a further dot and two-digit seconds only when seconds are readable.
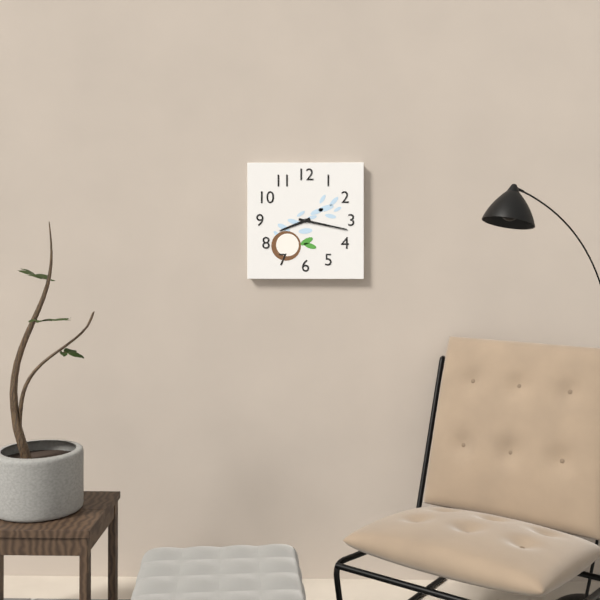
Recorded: 8.17
